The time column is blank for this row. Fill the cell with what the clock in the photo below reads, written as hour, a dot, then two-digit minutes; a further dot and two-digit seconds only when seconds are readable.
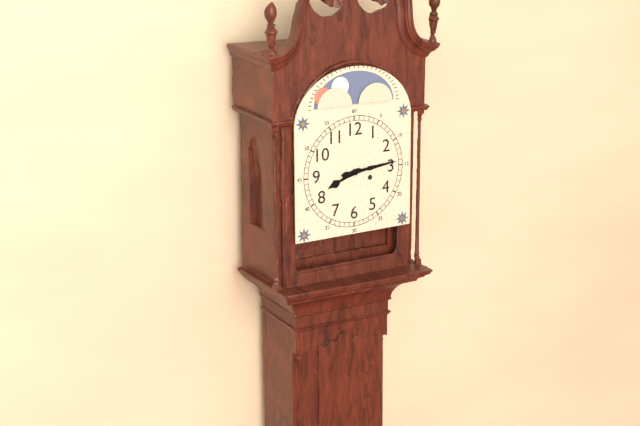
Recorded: 8.14
